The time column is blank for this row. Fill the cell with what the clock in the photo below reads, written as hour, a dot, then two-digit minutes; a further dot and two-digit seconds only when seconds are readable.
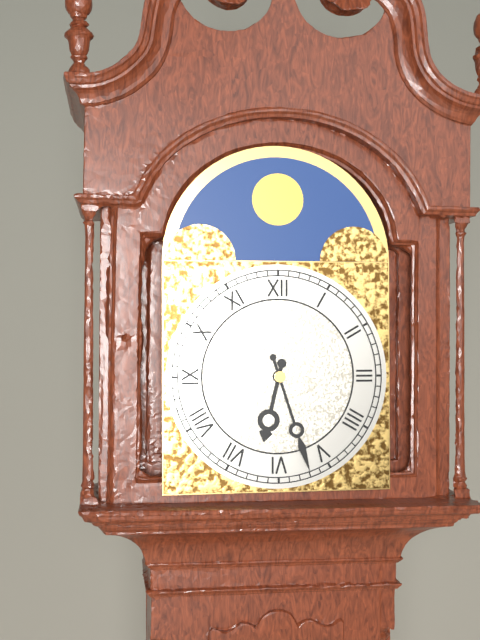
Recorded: 6.27
